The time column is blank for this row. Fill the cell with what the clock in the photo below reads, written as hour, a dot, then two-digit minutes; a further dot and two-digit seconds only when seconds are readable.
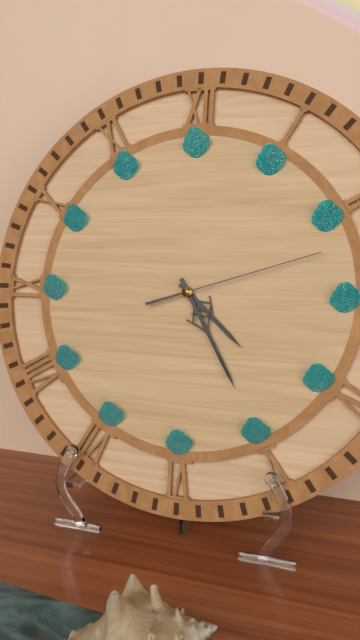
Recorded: 4.25.12
